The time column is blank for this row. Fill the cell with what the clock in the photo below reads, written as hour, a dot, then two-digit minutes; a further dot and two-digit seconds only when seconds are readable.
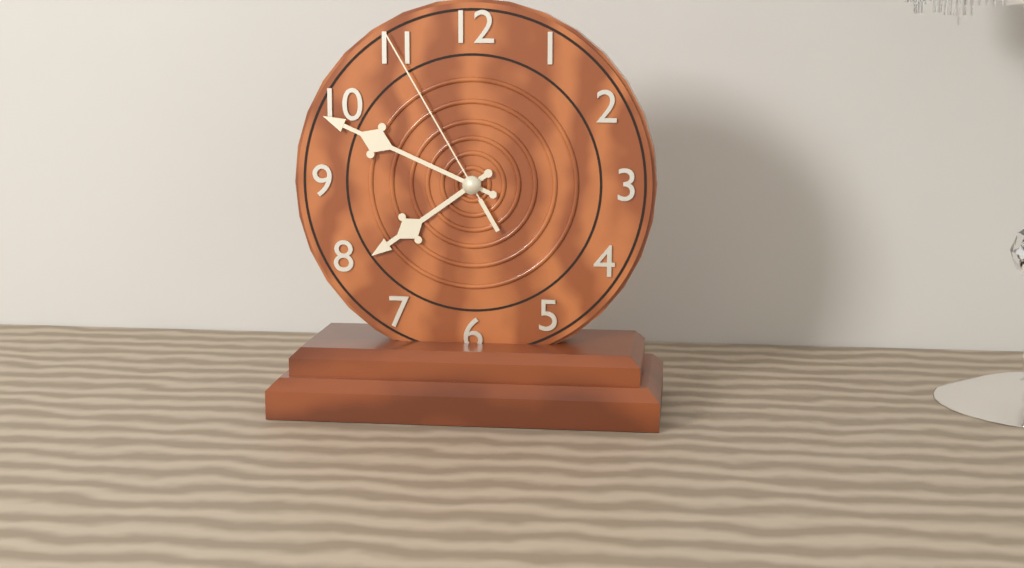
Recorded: 7.49.55
